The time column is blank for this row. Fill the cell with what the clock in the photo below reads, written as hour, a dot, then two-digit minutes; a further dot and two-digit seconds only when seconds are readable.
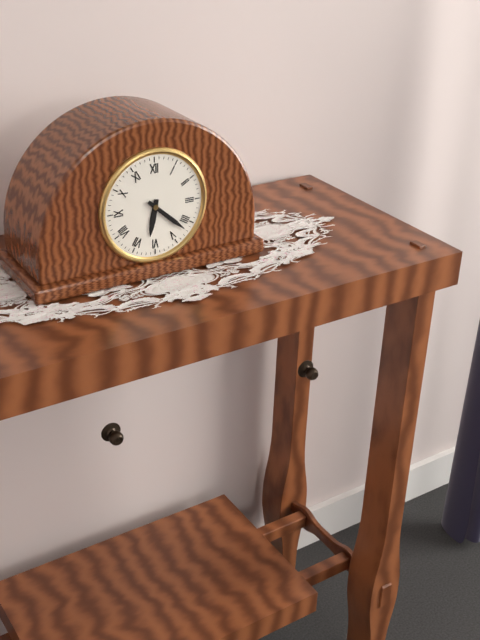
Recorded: 6.22
